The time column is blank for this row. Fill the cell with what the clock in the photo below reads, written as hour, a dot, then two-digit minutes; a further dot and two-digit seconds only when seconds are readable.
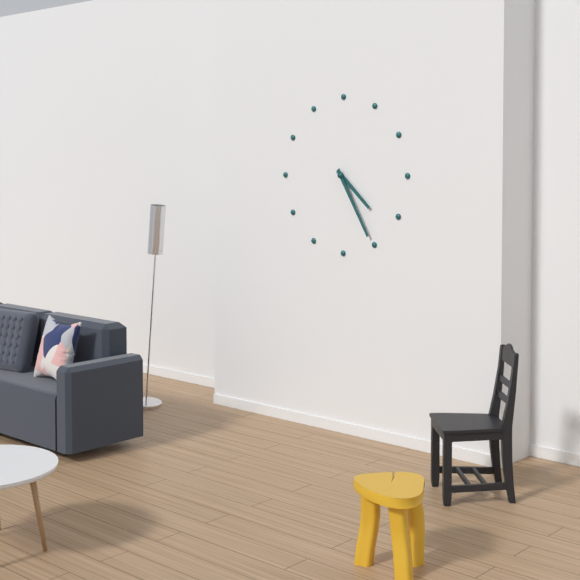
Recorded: 4.25
